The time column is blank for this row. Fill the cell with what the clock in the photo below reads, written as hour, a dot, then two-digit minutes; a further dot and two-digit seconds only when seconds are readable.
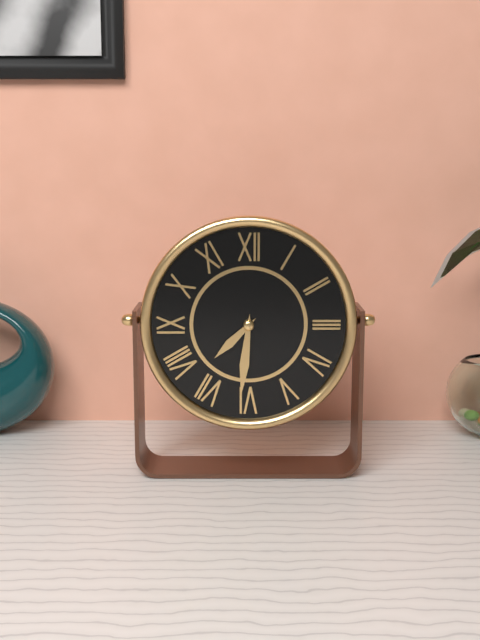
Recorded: 7.31
